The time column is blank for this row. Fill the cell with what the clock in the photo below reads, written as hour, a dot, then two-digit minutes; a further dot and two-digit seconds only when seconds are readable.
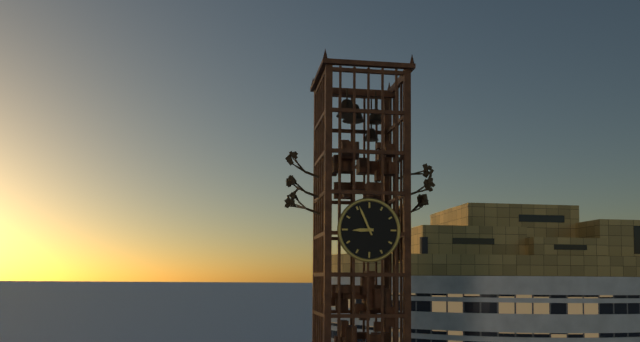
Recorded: 8.56
